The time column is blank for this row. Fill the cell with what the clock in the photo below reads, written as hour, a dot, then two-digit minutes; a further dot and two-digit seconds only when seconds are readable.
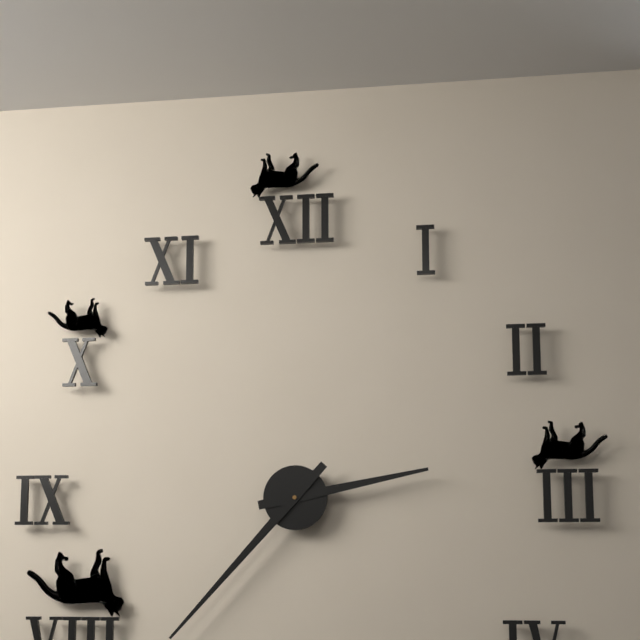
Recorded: 2.37
